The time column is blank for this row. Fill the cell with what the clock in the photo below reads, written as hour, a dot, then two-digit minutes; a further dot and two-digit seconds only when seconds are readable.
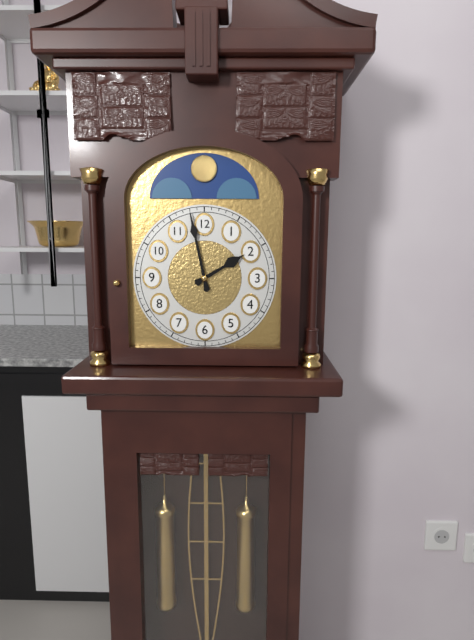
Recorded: 1.58
